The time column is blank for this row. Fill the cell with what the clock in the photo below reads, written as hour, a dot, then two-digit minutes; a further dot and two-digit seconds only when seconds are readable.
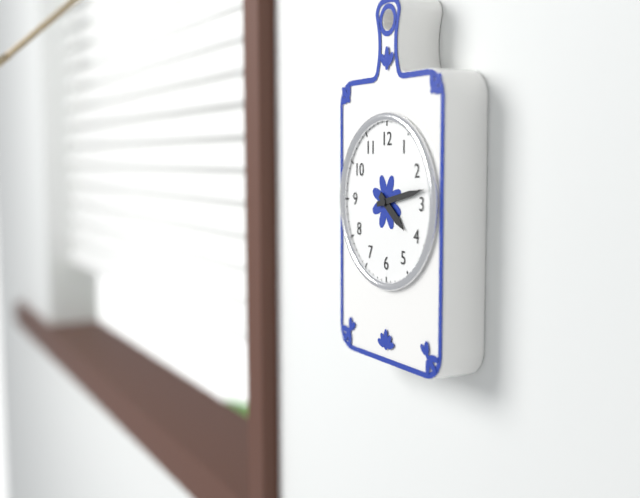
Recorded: 4.13
